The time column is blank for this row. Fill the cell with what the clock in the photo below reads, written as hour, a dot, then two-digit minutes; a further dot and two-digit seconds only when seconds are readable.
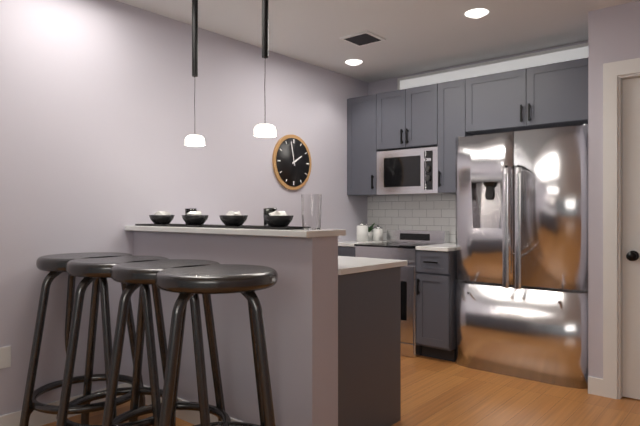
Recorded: 1.58
